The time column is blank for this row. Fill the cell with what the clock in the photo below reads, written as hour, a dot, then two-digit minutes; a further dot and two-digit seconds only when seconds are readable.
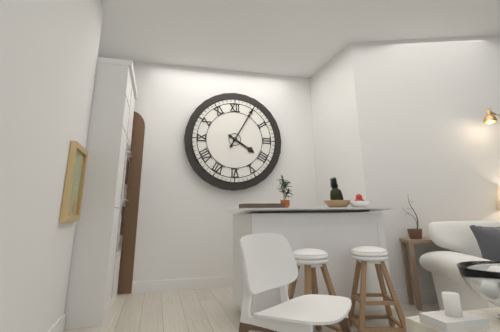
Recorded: 4.05
